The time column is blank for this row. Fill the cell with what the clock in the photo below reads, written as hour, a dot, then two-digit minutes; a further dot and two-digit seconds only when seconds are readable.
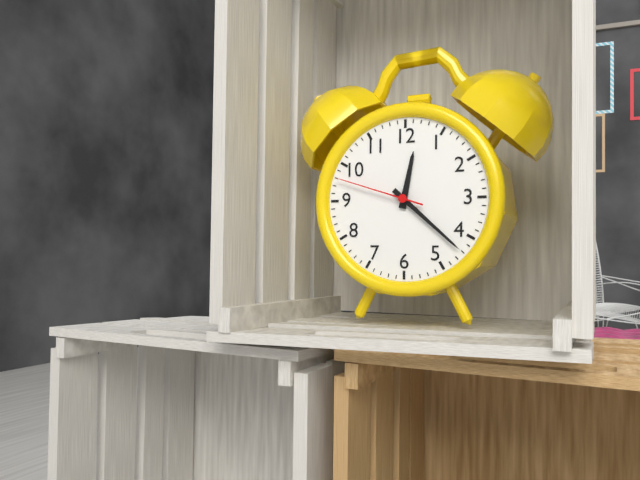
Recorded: 12.22.48
